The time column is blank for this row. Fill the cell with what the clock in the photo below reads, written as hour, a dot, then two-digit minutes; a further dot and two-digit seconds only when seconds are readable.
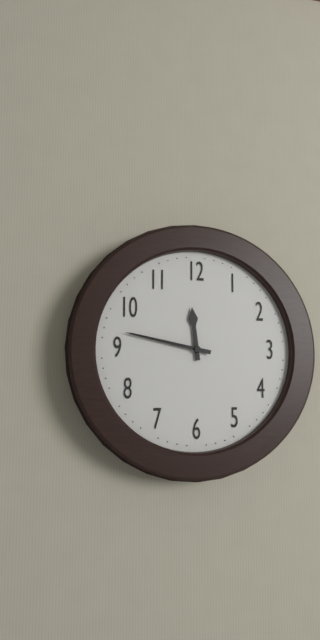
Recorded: 11.47
